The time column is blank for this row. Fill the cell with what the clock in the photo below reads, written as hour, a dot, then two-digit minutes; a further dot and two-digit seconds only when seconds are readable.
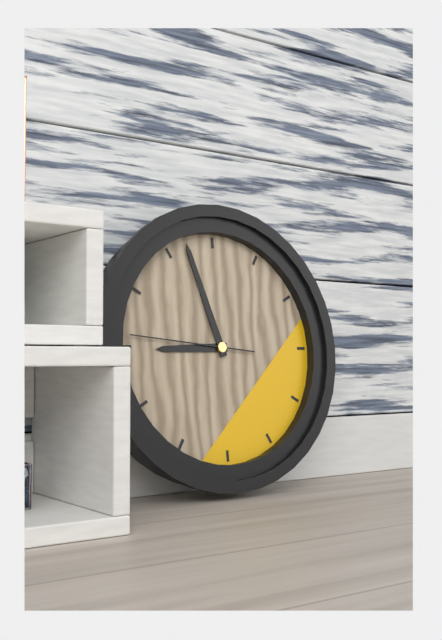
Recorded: 8.57.46
